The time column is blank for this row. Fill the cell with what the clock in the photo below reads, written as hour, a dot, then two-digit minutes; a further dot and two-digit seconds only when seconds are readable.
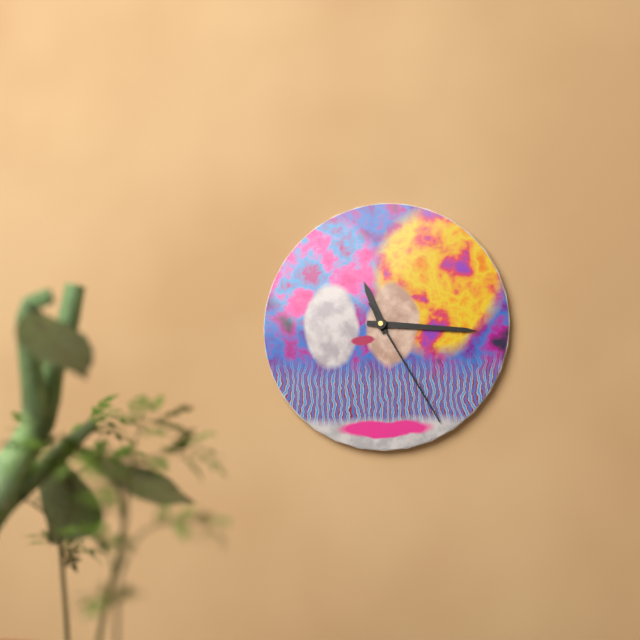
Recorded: 11.16.25
